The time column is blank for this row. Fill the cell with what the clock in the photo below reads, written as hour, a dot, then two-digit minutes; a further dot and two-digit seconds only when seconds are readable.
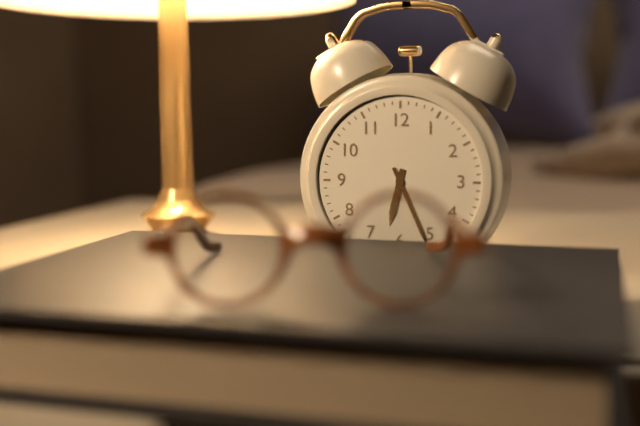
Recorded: 6.26
